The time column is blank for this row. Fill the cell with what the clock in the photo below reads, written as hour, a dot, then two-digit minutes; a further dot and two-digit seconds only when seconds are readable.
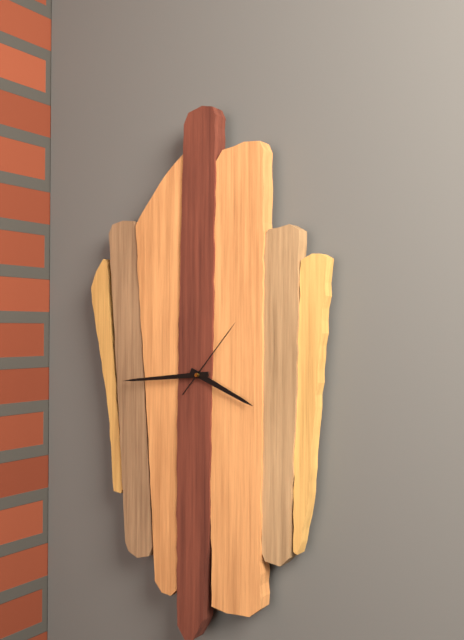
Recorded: 3.44.07
